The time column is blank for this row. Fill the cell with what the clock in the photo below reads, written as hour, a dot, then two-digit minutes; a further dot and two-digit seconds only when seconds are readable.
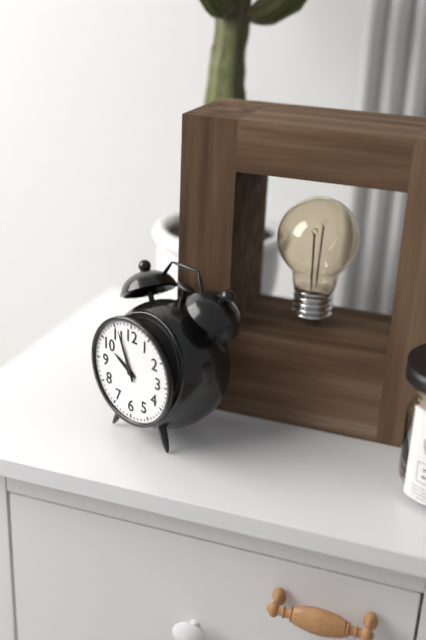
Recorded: 9.56
